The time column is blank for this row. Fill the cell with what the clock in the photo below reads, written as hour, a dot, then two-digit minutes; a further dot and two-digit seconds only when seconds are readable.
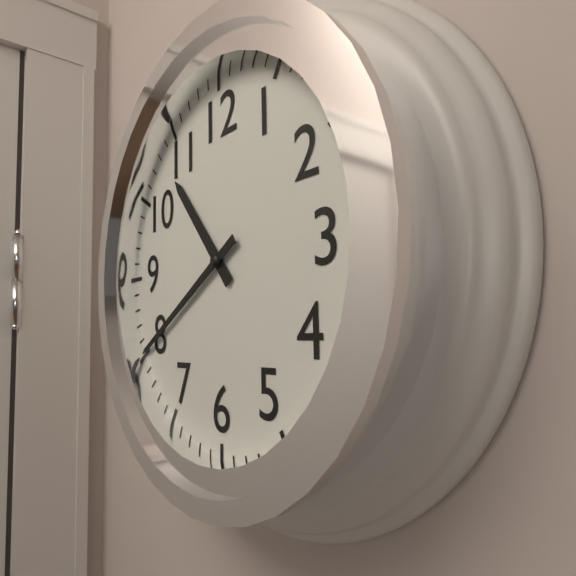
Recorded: 10.40
